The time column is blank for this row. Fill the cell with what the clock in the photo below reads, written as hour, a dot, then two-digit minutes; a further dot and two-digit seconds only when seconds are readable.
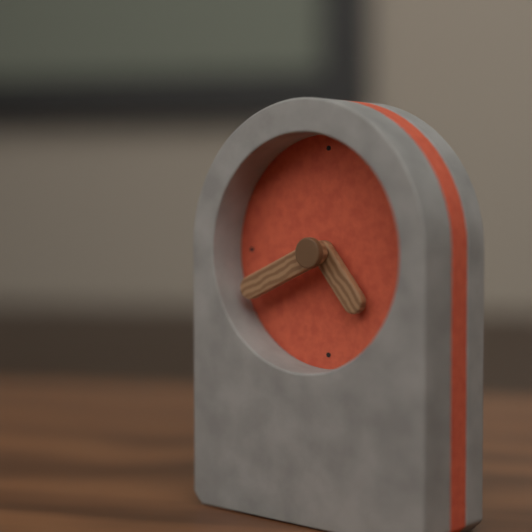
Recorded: 4.41
